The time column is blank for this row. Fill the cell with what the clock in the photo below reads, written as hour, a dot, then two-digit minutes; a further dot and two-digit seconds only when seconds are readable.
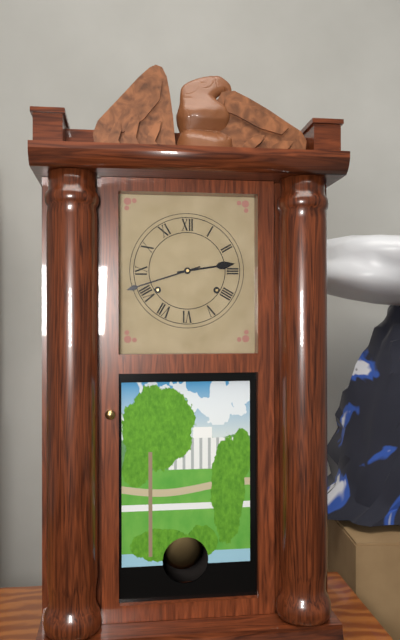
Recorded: 2.42
